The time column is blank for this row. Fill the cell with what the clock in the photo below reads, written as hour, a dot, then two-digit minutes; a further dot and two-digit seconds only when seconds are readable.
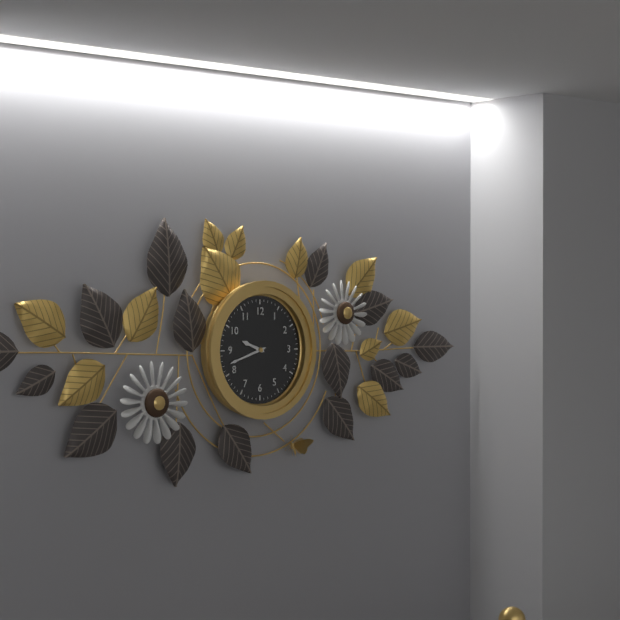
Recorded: 9.42
